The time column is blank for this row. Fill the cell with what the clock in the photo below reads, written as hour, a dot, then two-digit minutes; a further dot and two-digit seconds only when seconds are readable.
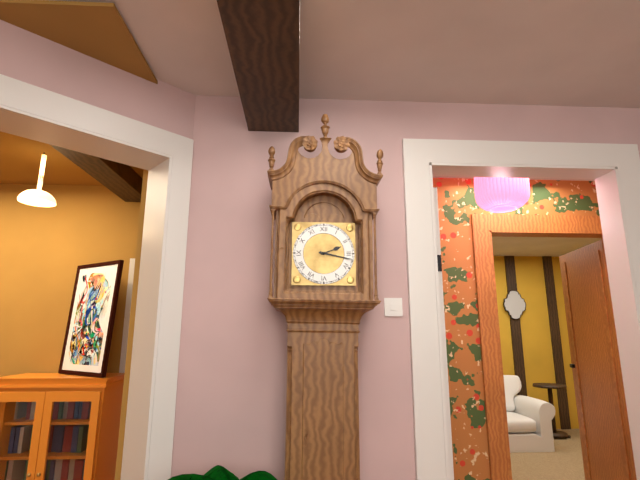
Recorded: 2.17
